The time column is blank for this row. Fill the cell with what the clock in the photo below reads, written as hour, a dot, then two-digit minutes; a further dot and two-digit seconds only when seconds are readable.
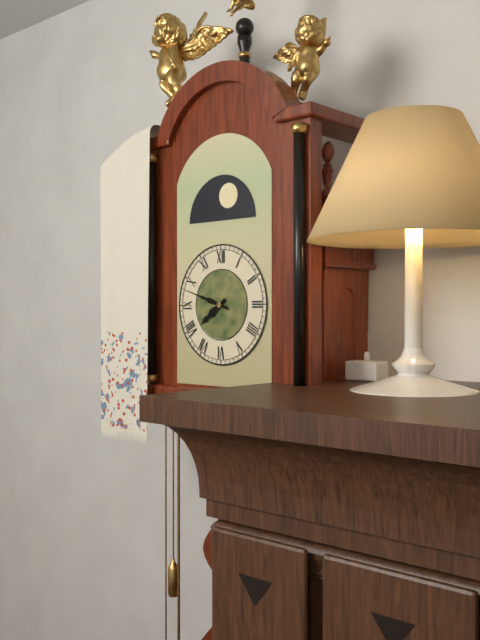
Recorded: 7.48
